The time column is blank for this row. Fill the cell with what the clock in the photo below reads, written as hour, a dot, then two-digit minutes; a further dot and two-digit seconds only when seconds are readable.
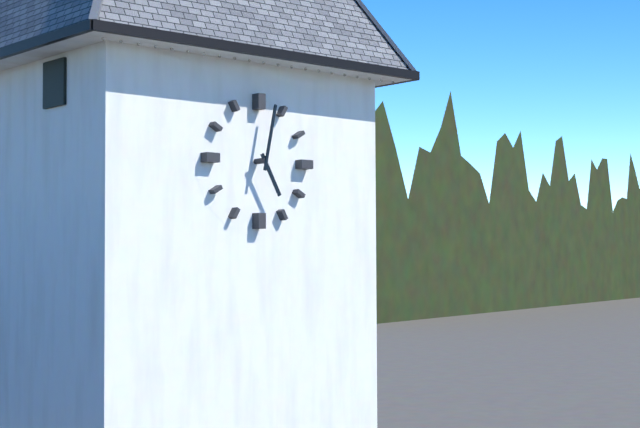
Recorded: 5.02
